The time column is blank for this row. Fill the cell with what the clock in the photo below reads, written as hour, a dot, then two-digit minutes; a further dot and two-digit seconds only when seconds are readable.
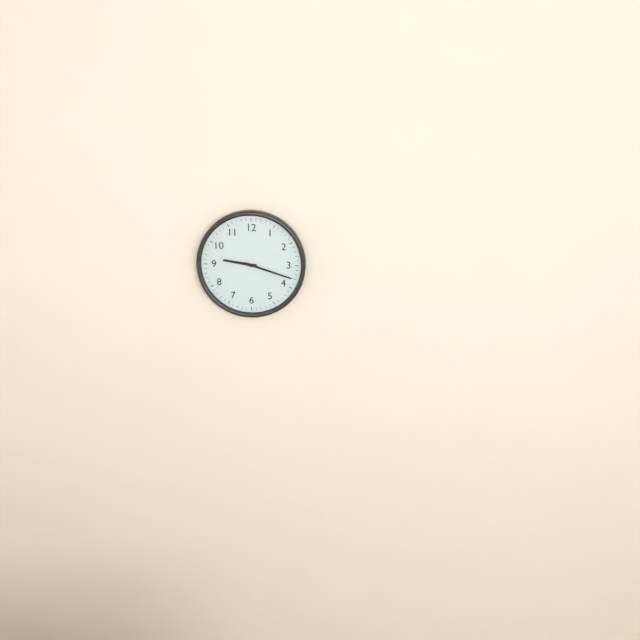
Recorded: 9.18
